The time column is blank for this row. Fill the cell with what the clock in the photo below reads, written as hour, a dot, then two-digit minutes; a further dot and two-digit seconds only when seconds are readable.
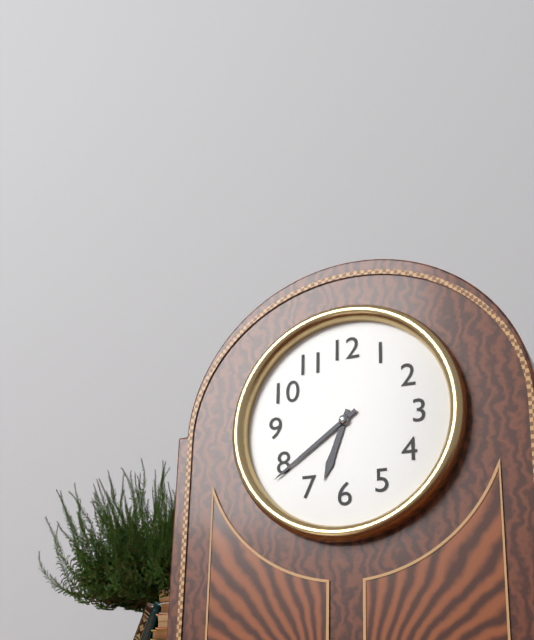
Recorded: 6.39
